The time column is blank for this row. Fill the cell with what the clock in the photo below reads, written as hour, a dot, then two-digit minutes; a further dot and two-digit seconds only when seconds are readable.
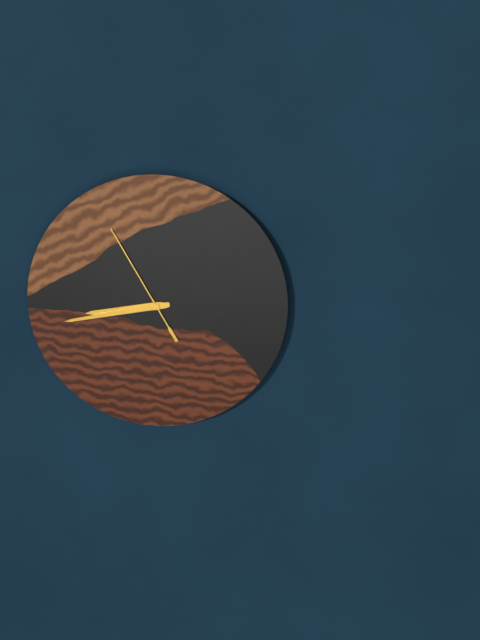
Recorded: 8.43.55
